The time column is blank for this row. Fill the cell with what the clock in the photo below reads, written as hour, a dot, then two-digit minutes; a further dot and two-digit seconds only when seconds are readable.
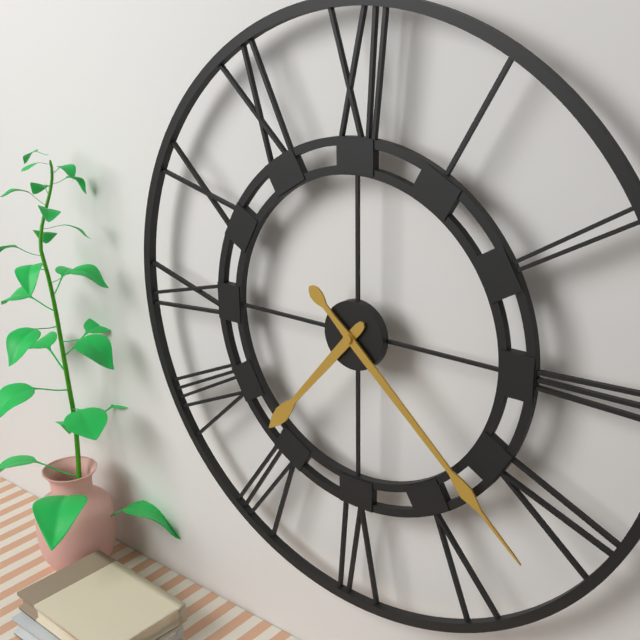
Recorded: 7.22
